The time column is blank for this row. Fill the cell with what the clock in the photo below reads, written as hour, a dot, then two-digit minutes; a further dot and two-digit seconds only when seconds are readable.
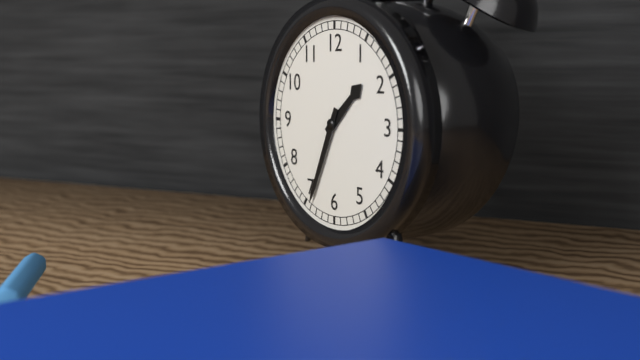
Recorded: 1.34
